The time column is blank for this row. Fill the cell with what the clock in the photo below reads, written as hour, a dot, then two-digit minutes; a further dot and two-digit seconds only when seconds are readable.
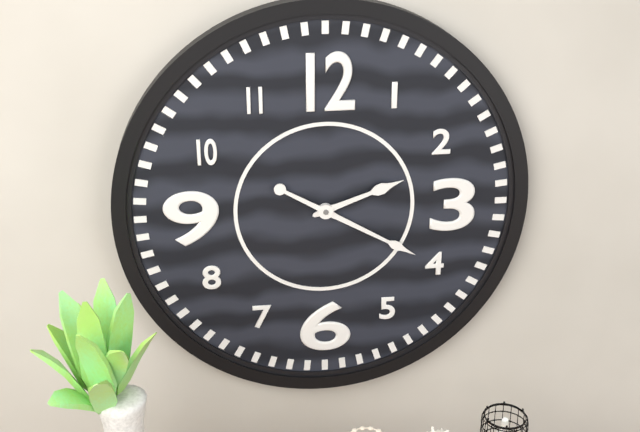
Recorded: 2.20
